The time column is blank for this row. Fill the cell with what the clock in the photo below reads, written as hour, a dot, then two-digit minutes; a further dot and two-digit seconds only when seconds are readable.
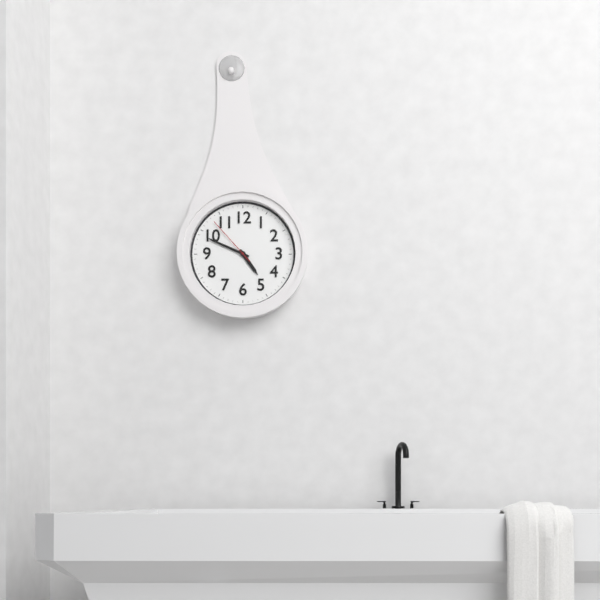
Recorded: 4.49.53
